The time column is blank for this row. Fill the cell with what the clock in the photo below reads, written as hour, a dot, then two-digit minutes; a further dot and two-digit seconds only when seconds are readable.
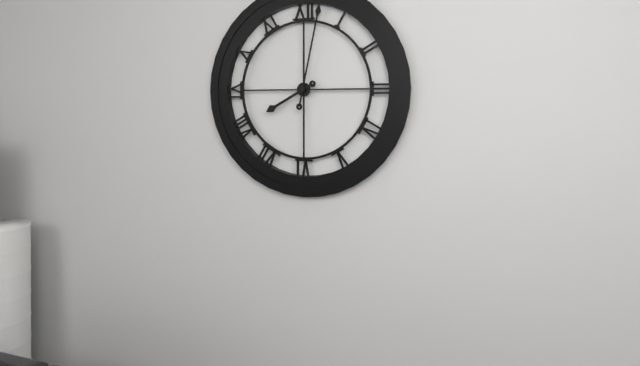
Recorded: 8.02
